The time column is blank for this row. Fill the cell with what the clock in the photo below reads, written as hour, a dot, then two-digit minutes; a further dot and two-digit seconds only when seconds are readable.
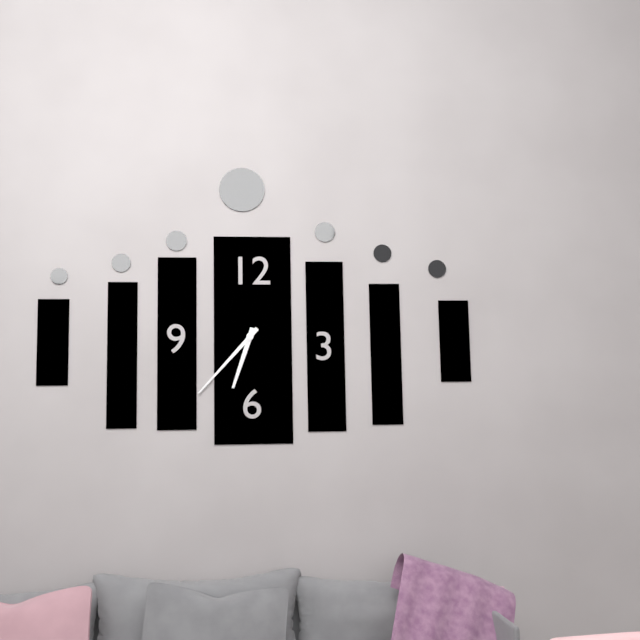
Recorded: 6.37
